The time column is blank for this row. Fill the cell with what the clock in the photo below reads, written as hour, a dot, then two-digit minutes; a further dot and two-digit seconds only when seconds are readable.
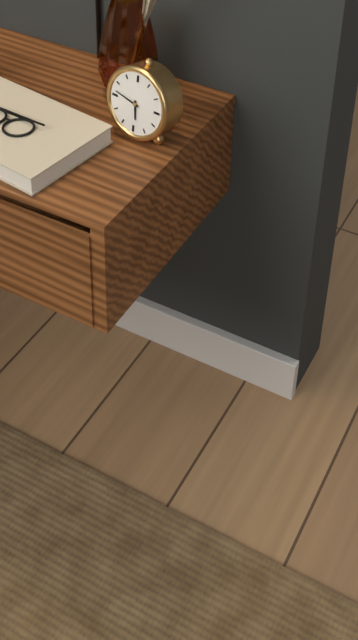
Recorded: 5.47
